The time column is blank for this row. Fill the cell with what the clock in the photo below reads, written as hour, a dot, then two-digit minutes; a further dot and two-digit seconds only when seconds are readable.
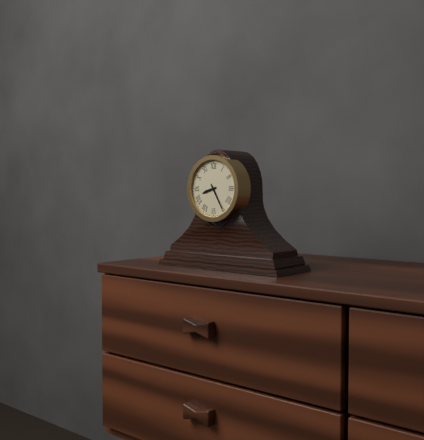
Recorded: 8.25
